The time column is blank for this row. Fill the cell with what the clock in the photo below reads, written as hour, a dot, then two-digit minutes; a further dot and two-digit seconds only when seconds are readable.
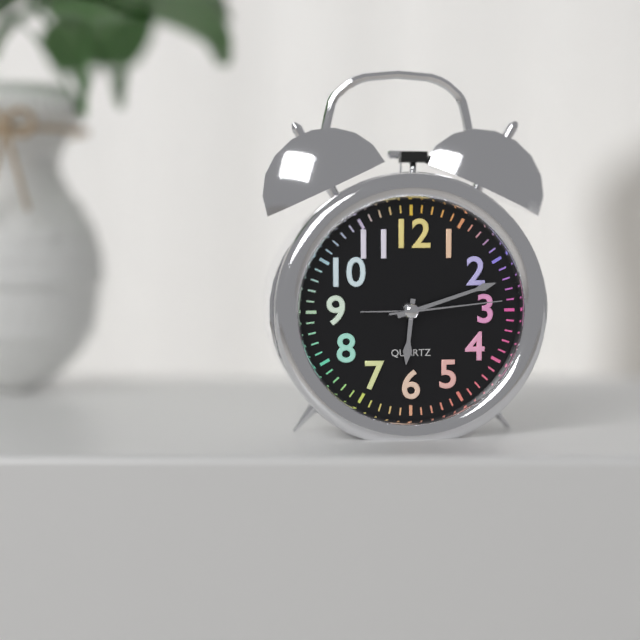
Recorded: 6.12.14
